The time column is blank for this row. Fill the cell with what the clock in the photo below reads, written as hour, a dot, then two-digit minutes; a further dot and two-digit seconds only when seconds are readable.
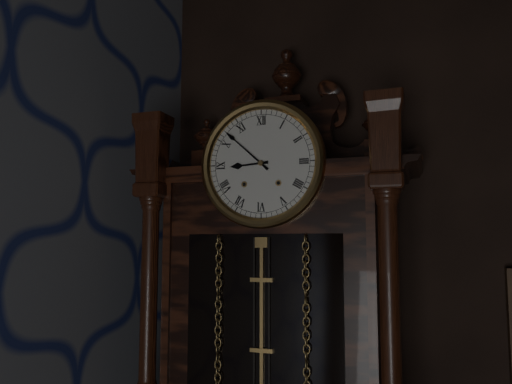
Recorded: 8.52
